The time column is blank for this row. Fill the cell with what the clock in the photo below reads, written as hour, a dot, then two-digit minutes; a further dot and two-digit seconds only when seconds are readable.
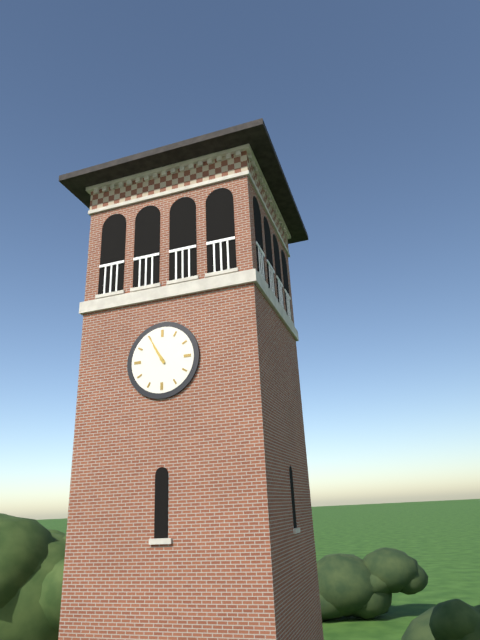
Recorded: 10.55
